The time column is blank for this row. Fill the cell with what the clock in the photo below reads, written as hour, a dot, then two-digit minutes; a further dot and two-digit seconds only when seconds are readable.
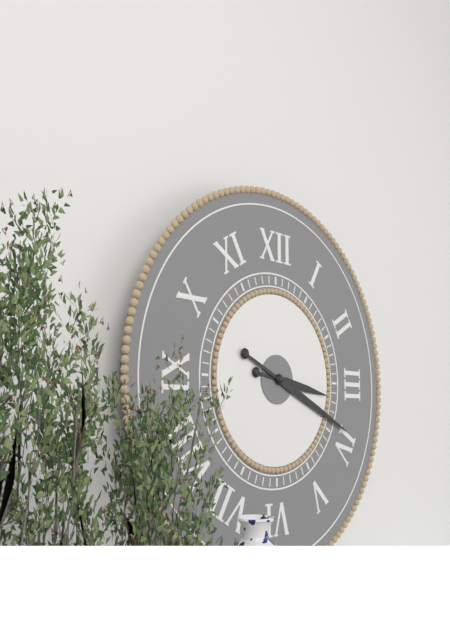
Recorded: 3.19
